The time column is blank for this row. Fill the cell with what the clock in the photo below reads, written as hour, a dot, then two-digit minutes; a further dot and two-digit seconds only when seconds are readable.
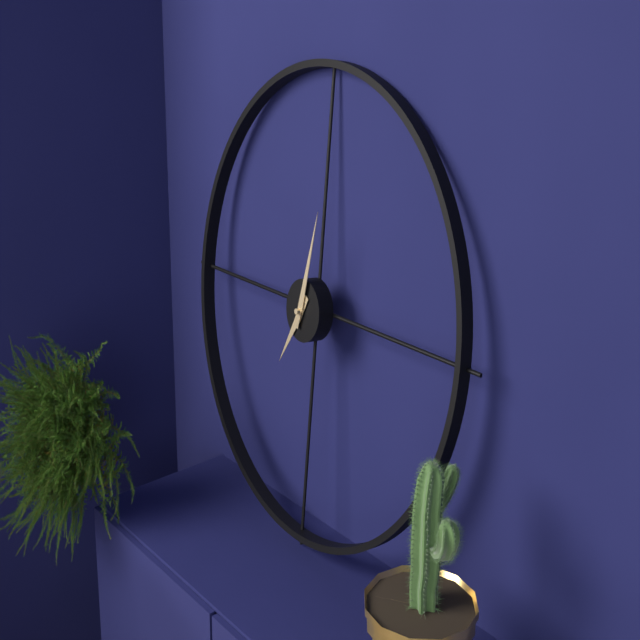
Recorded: 7.02
